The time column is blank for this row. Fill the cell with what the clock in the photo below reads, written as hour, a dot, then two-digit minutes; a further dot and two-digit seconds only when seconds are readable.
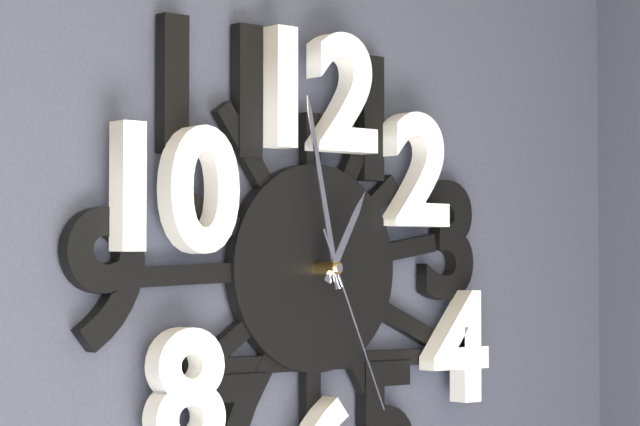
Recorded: 12.58.26
